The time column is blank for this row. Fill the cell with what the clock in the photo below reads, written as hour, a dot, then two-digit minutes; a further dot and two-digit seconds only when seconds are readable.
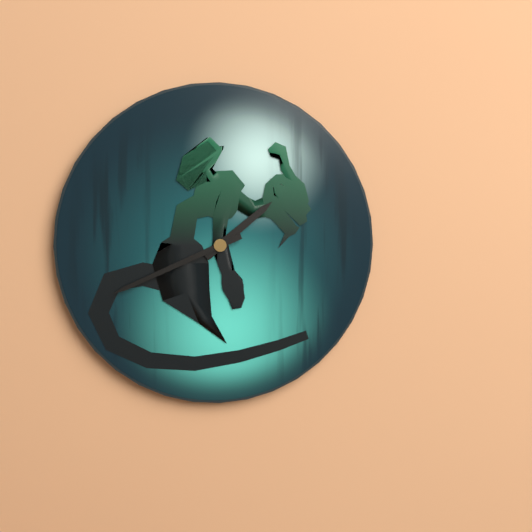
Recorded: 1.41
